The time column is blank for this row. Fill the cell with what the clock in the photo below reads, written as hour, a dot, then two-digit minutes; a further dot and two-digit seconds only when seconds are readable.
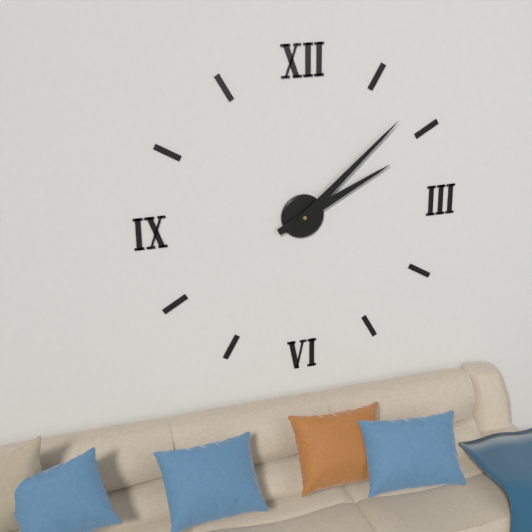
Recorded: 2.08
